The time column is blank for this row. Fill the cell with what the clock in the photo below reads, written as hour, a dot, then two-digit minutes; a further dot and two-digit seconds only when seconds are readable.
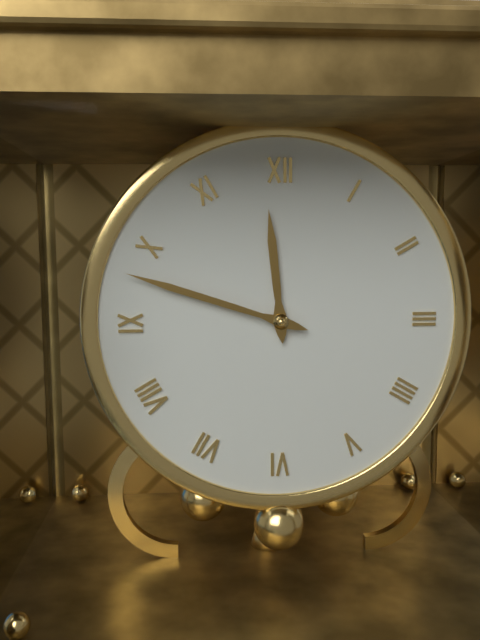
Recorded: 11.48
